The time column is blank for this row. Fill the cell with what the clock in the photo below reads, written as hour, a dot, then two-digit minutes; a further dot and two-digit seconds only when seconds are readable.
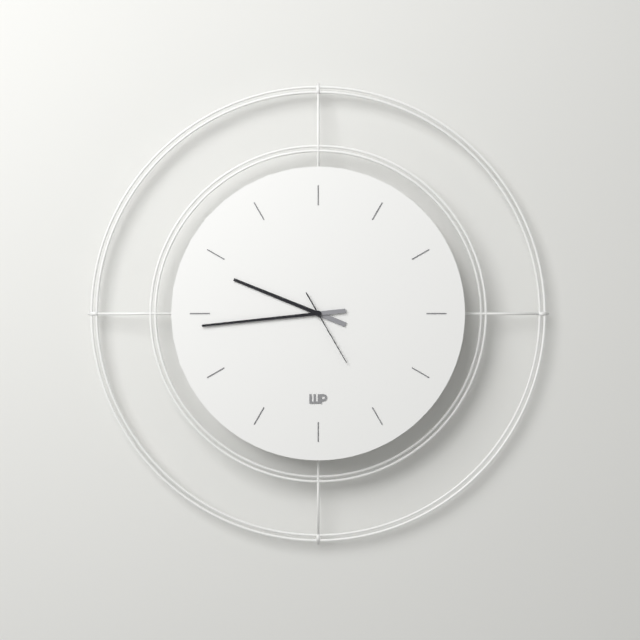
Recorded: 9.44.25
